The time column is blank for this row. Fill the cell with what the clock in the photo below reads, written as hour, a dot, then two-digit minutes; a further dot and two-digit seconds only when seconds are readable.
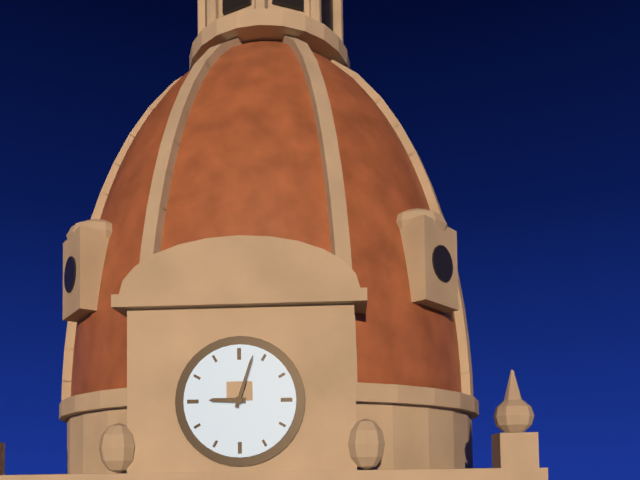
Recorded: 9.03
